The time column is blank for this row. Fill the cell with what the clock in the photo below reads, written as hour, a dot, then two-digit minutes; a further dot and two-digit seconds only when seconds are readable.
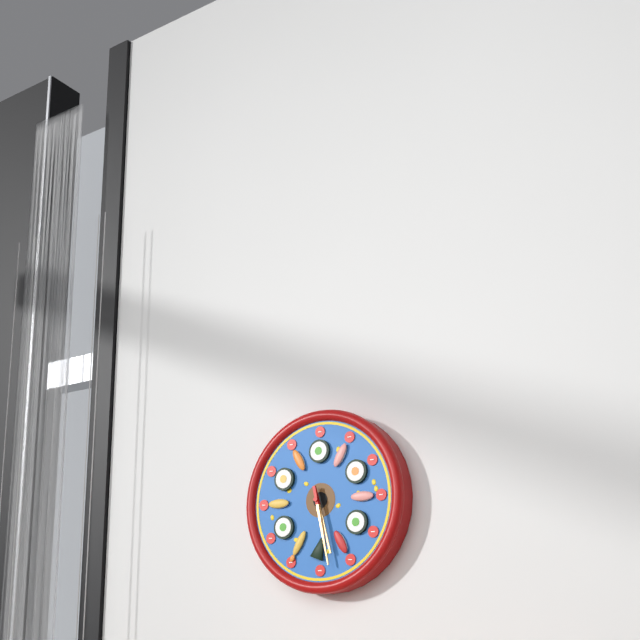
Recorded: 5.28
